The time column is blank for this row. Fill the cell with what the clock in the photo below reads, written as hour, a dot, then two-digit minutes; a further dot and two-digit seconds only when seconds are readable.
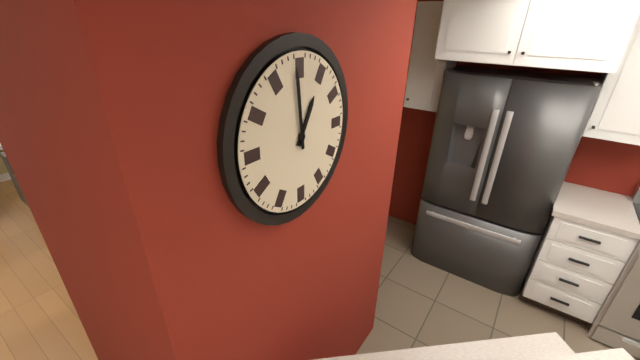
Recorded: 12.59
